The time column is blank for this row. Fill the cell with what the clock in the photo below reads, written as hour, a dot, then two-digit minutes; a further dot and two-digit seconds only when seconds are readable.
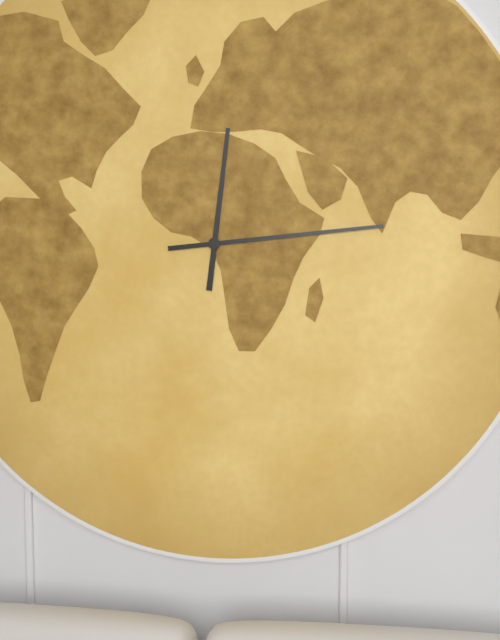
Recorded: 12.14
